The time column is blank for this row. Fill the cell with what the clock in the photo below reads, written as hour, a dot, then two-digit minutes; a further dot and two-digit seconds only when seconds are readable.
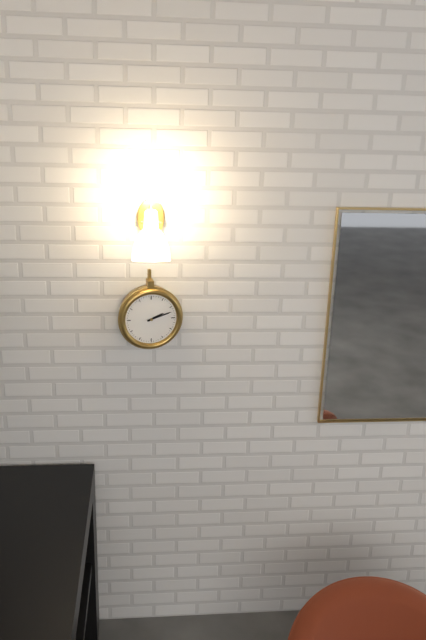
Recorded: 2.12
